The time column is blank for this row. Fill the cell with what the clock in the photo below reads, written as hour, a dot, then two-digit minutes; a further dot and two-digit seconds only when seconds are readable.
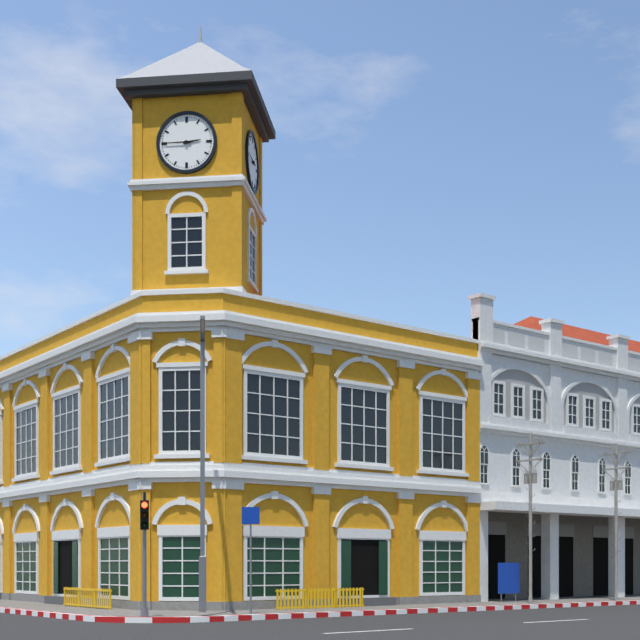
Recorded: 2.45
